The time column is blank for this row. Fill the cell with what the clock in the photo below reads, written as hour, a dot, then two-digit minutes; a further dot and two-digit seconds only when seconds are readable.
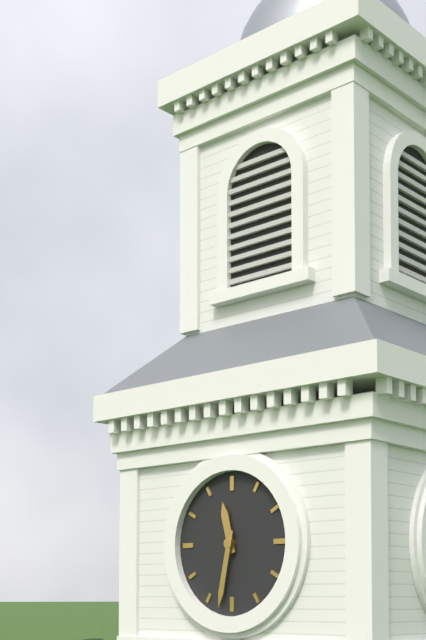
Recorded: 11.32
